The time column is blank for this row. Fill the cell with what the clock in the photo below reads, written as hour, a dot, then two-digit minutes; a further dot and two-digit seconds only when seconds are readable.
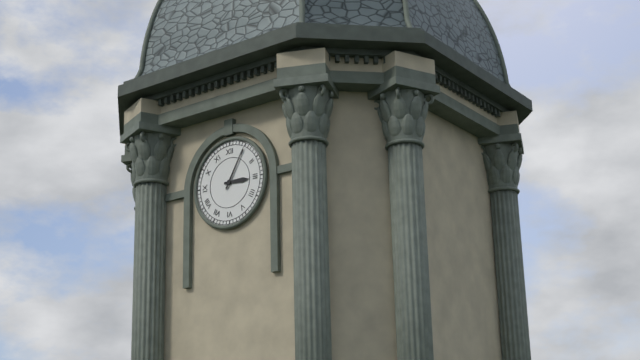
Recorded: 3.05
